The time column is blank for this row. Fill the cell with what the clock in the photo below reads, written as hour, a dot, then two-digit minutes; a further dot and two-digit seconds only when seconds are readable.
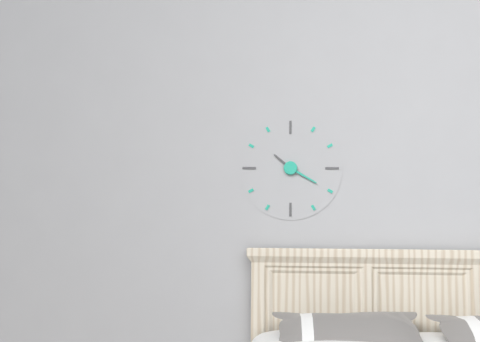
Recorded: 10.20
